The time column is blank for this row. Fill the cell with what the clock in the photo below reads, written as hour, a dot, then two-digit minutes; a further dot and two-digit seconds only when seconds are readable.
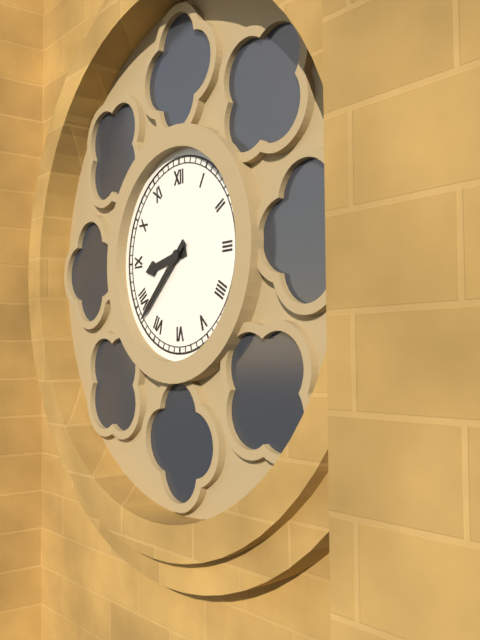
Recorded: 8.38
